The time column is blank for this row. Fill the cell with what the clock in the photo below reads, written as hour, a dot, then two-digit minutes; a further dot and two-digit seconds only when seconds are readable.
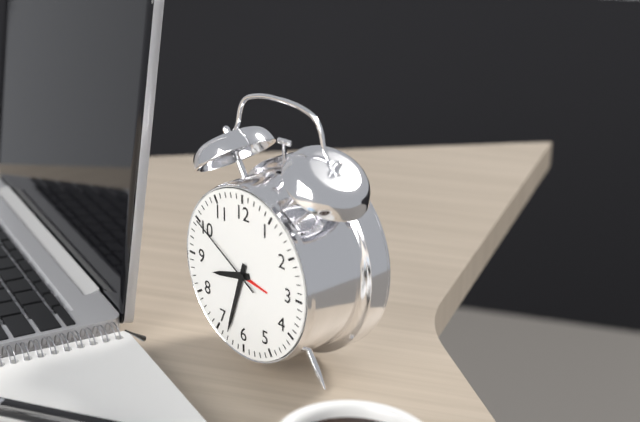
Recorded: 8.33.50
